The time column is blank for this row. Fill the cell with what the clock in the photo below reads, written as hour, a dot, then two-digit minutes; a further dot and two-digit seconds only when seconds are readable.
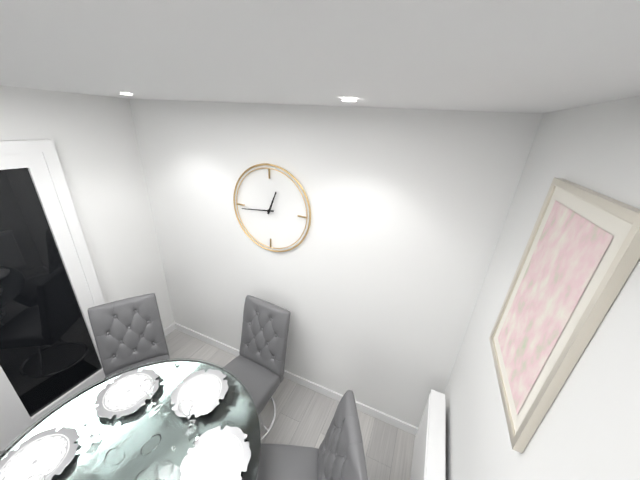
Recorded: 12.44
